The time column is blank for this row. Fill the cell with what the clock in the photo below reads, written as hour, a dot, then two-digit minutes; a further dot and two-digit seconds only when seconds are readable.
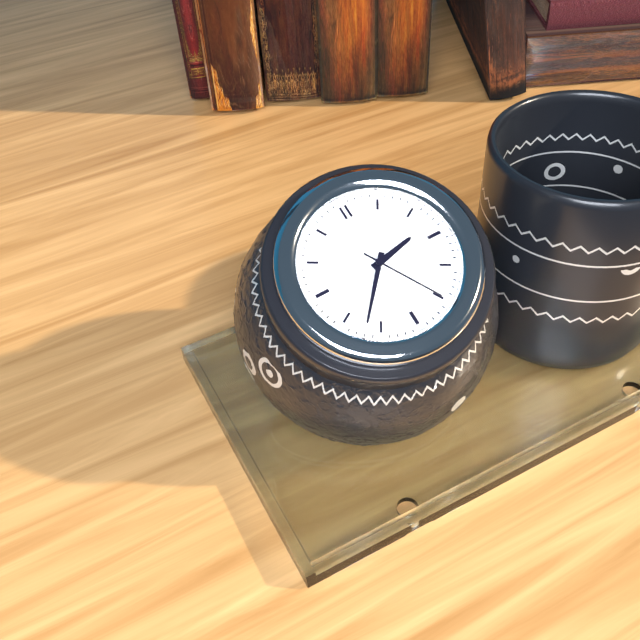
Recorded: 2.37.25
